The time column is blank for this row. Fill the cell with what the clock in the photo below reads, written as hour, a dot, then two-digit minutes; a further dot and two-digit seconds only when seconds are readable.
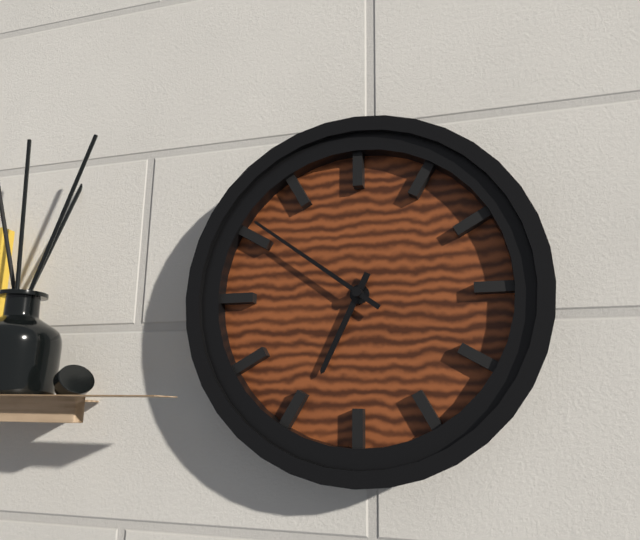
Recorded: 6.51
